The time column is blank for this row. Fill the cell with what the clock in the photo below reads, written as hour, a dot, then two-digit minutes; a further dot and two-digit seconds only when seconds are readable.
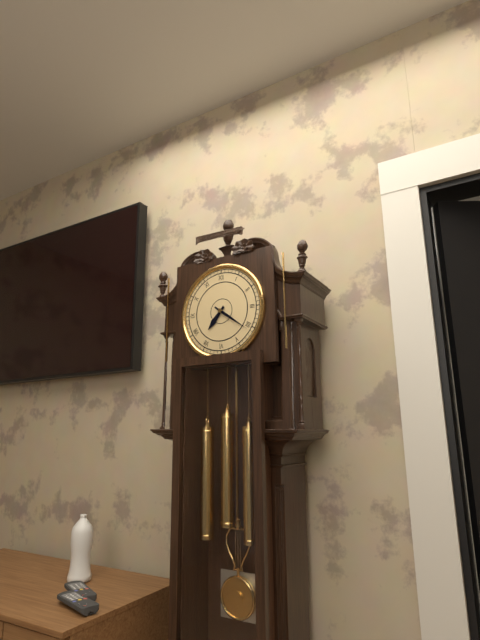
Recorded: 7.21
